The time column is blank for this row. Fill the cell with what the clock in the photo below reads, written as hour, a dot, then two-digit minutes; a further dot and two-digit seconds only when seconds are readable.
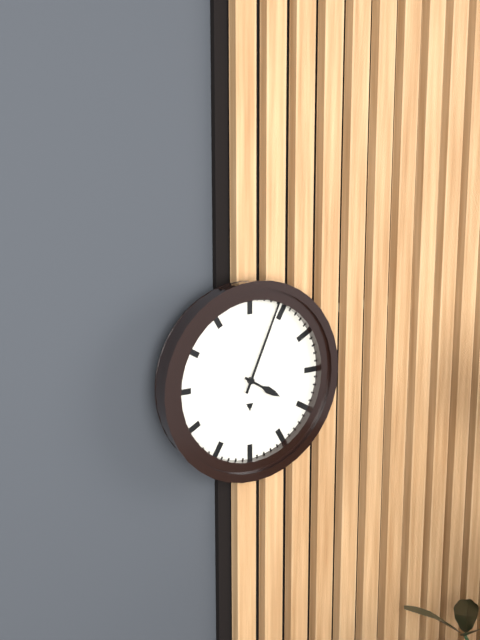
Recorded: 4.04
